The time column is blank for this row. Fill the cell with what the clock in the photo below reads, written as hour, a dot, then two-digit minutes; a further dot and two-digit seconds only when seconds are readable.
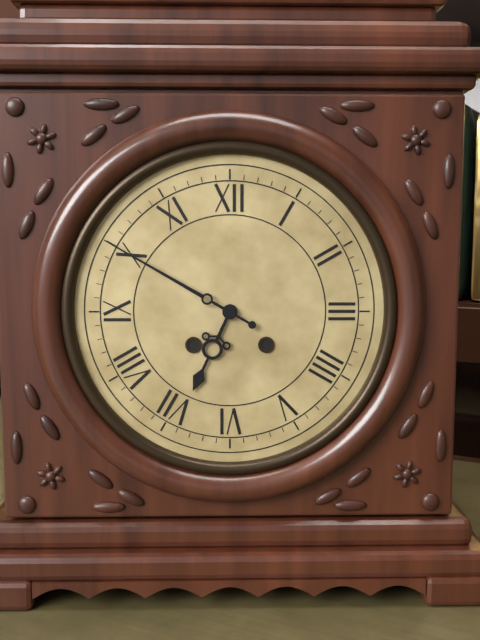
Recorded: 6.50
